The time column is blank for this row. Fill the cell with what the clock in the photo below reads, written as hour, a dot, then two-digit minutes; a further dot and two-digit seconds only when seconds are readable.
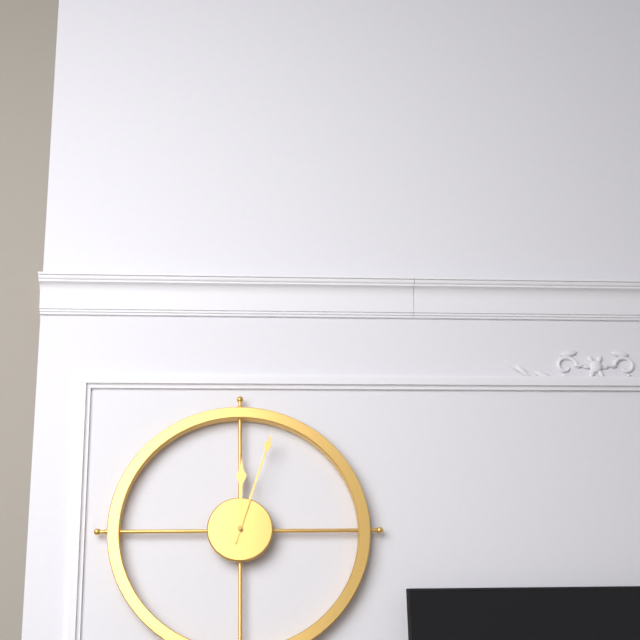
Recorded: 12.03
